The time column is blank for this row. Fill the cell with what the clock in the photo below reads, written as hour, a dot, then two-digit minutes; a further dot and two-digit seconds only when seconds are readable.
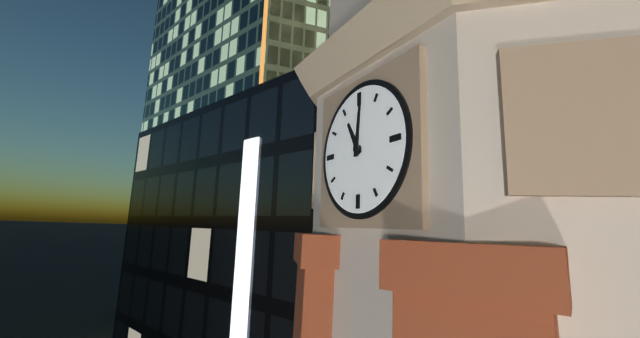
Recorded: 11.01
